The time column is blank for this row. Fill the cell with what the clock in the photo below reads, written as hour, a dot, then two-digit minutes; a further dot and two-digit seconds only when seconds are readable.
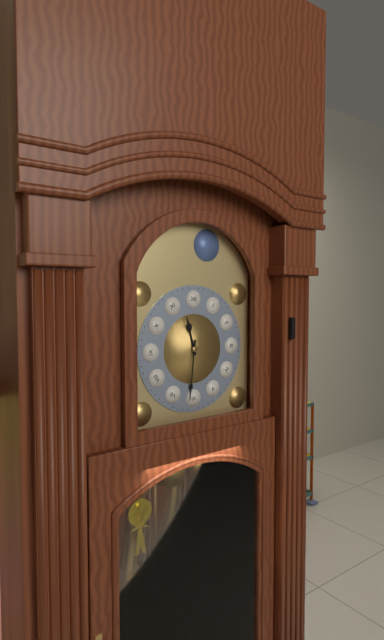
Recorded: 11.31
